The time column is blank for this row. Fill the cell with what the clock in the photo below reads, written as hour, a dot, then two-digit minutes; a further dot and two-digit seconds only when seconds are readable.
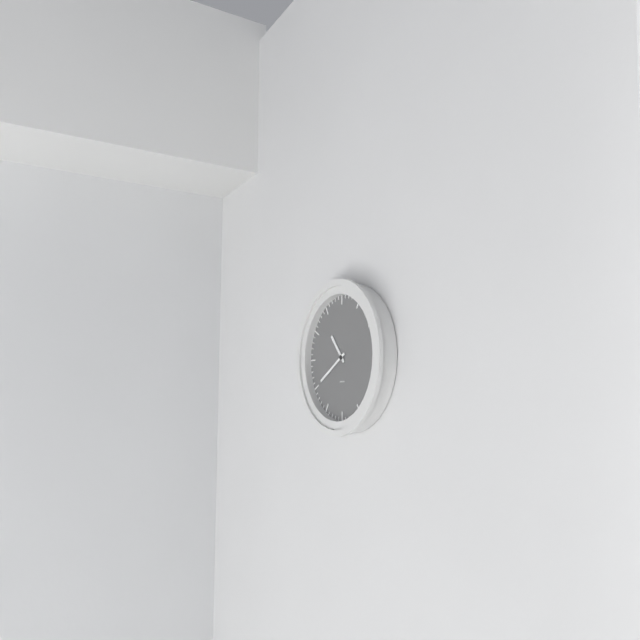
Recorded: 10.40
